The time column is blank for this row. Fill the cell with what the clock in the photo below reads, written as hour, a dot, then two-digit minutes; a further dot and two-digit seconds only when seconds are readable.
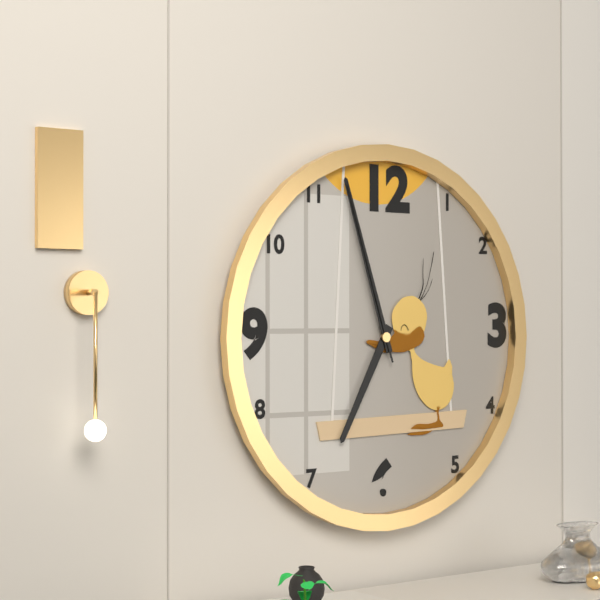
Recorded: 6.57.57
